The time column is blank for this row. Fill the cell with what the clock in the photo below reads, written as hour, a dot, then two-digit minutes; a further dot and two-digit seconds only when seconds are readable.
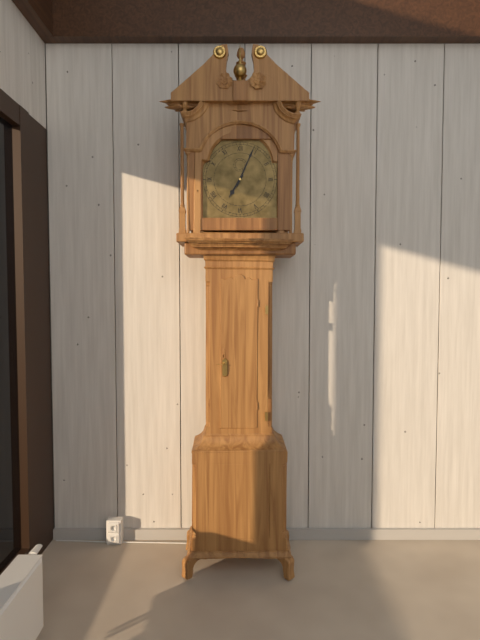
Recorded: 7.04
